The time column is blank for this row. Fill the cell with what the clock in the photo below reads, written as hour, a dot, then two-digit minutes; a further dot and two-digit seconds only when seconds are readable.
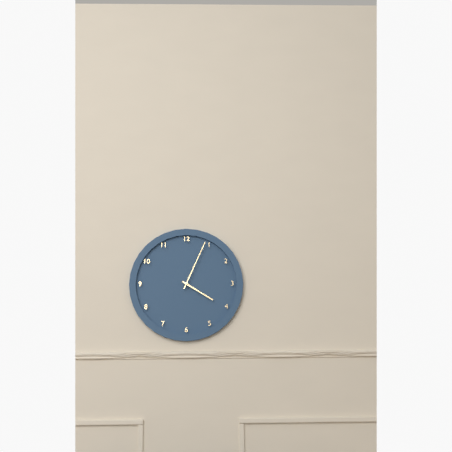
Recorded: 4.04
